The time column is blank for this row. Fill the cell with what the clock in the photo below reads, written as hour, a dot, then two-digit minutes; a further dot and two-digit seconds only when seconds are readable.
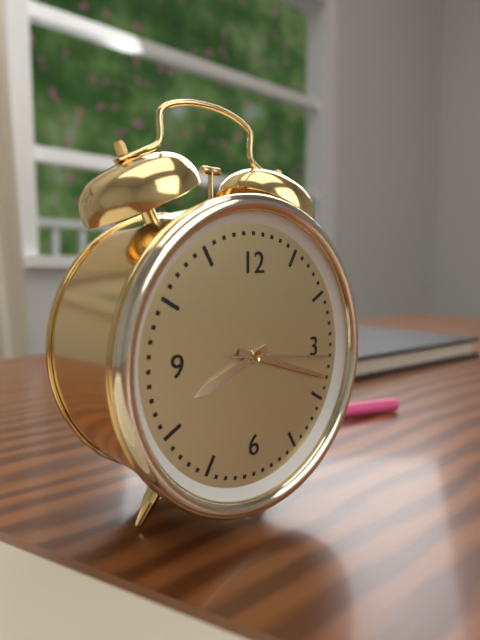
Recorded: 8.18.16
